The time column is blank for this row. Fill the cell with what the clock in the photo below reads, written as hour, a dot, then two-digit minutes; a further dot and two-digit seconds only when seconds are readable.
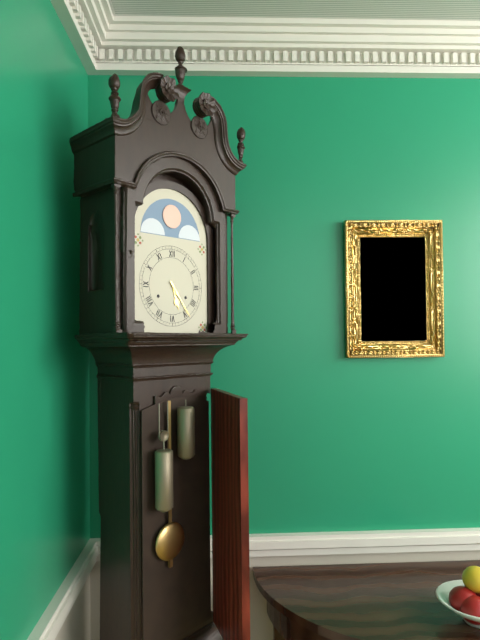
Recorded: 5.24
